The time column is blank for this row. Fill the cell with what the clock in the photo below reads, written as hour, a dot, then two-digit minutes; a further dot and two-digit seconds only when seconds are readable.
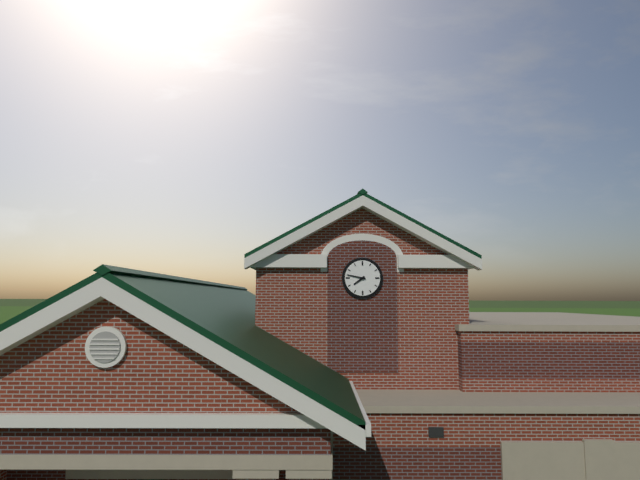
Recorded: 7.47
